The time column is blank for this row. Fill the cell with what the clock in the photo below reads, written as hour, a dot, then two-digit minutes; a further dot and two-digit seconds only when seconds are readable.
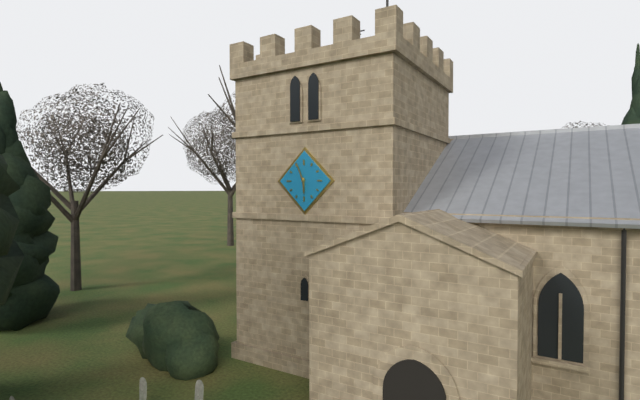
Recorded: 5.56
